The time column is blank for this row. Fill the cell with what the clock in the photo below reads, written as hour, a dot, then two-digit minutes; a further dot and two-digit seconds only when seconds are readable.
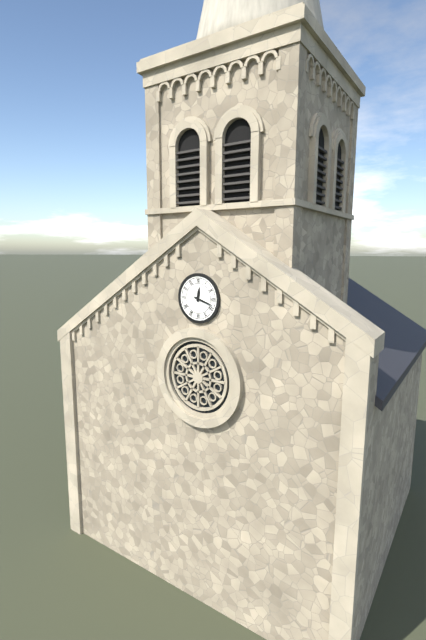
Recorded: 12.18
